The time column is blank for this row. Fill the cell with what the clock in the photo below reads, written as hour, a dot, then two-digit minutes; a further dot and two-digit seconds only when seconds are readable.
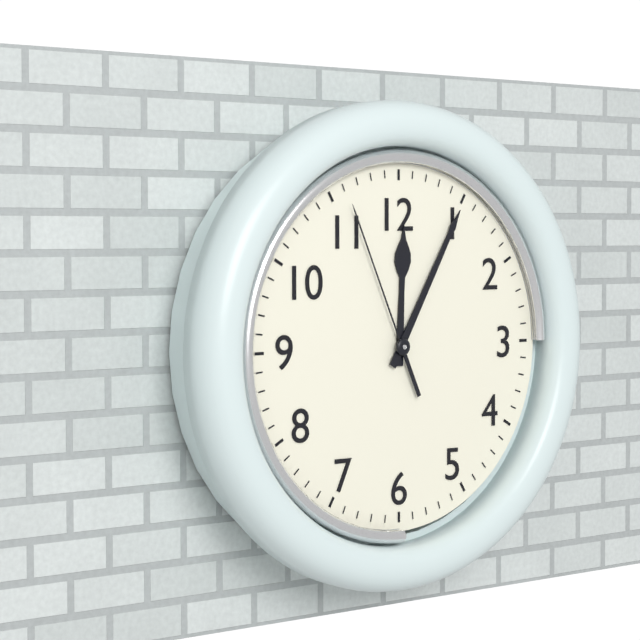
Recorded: 12.05.56
